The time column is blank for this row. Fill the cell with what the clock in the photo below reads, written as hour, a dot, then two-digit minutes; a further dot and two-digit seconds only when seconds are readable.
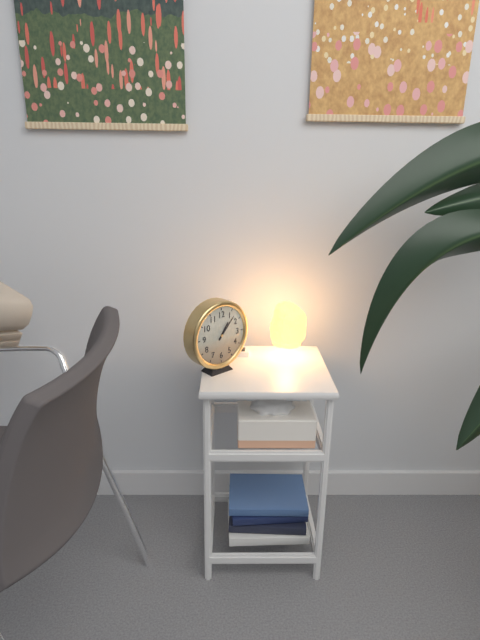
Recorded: 1.07
